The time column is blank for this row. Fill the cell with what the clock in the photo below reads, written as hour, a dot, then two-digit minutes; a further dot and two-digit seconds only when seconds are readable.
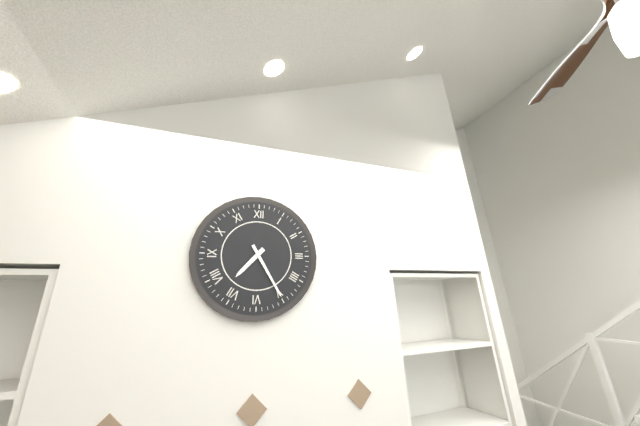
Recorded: 7.25
